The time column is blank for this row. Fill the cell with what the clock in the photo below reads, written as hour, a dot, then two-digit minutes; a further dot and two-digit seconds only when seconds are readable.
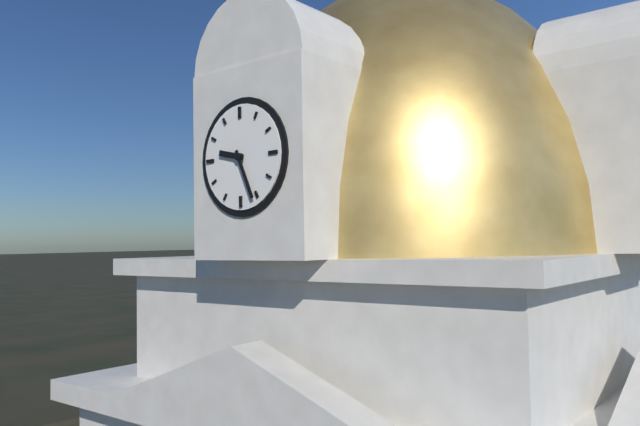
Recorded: 9.26
